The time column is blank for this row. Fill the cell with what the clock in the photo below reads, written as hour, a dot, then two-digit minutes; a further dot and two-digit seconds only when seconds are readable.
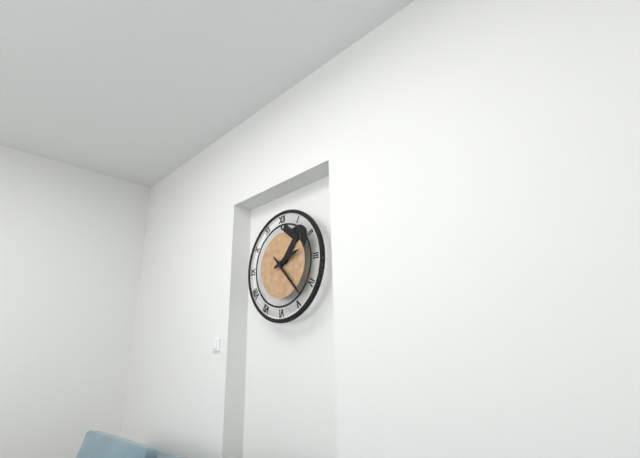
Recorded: 2.23
